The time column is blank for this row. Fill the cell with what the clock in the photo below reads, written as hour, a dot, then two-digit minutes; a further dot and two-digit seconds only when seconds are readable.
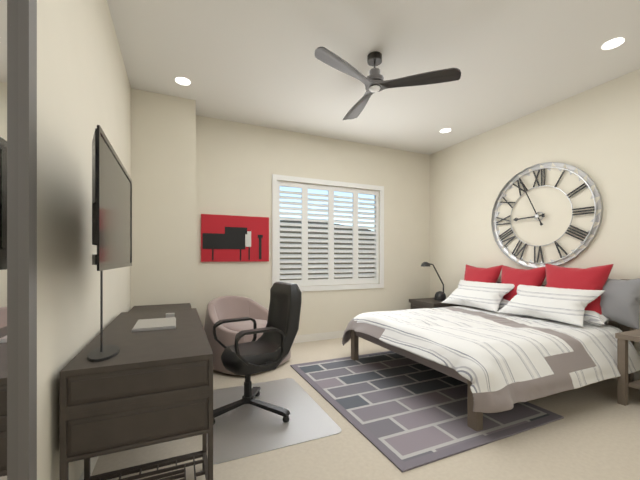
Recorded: 8.56
